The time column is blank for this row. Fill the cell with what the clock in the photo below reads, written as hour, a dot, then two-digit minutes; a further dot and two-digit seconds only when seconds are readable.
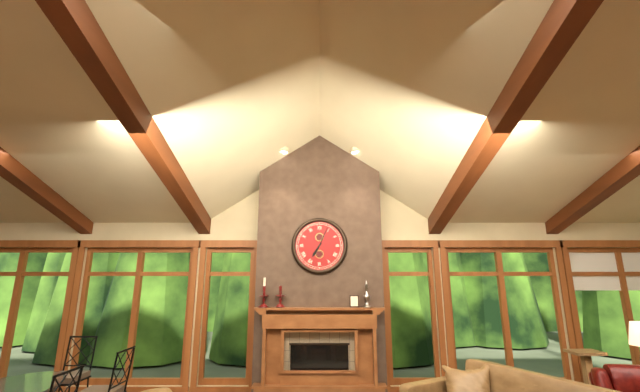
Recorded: 7.04
